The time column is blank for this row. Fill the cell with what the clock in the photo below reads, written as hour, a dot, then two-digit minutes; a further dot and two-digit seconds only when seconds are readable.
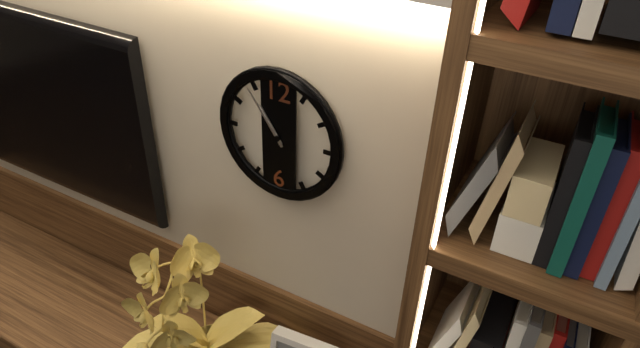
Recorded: 10.54
